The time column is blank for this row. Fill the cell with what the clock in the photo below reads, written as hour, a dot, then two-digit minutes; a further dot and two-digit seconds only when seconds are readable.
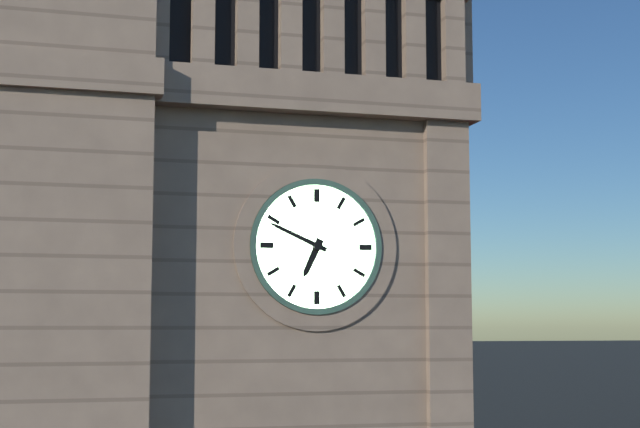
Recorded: 6.49
